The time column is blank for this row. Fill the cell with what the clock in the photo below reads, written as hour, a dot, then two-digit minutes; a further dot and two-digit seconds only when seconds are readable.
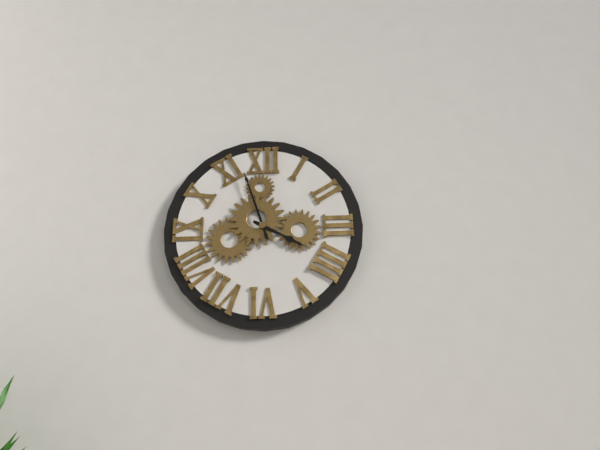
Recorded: 3.57
